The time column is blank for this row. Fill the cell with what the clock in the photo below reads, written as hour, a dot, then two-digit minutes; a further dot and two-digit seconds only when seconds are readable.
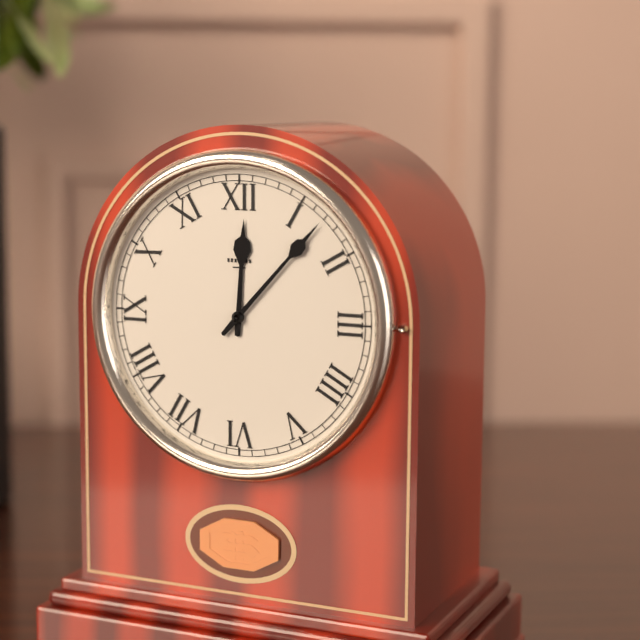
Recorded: 12.07
